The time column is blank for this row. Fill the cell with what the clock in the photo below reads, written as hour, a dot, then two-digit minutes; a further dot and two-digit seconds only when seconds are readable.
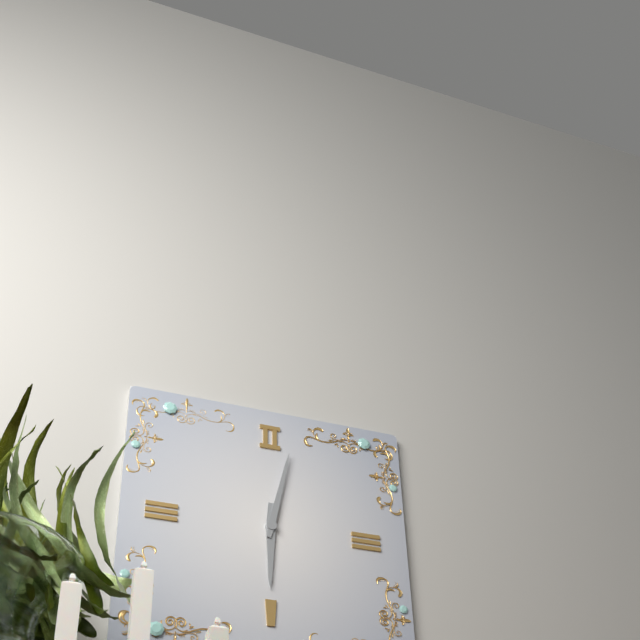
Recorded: 6.02
